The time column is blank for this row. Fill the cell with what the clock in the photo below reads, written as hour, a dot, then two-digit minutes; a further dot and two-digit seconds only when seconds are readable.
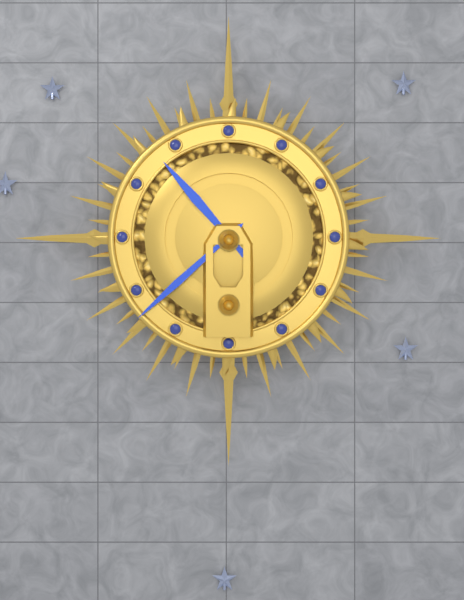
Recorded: 10.38
